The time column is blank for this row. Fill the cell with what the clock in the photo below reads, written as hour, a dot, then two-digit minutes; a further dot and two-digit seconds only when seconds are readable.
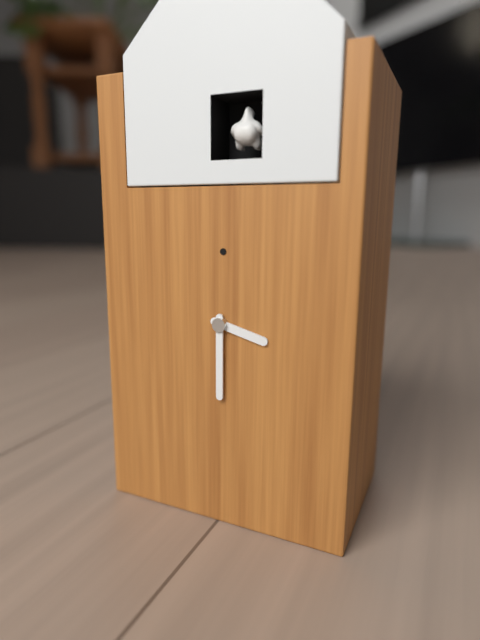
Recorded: 3.30
